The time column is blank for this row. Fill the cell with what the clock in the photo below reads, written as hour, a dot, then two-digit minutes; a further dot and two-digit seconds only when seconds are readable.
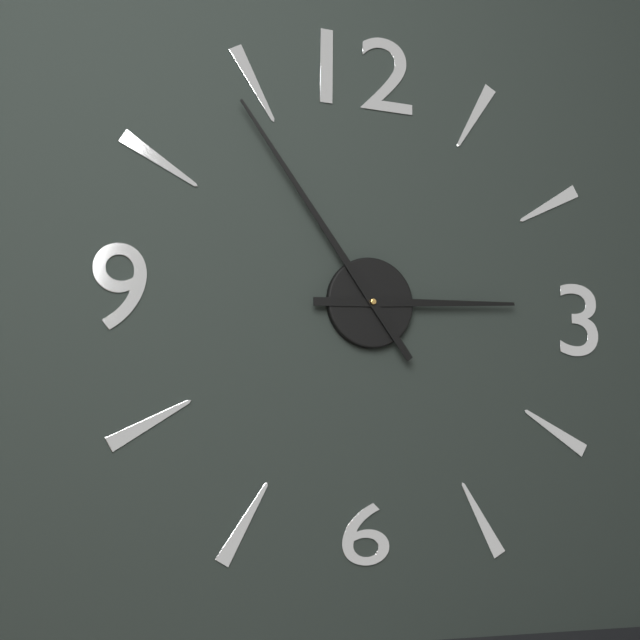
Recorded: 2.54
